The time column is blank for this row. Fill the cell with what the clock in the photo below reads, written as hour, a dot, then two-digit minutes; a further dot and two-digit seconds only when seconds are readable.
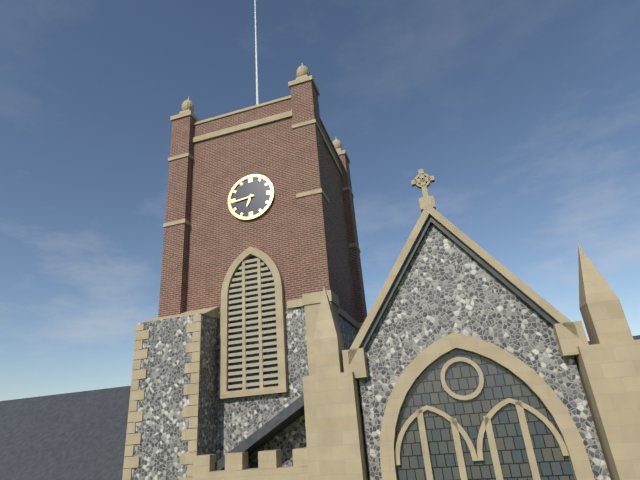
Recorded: 6.44
